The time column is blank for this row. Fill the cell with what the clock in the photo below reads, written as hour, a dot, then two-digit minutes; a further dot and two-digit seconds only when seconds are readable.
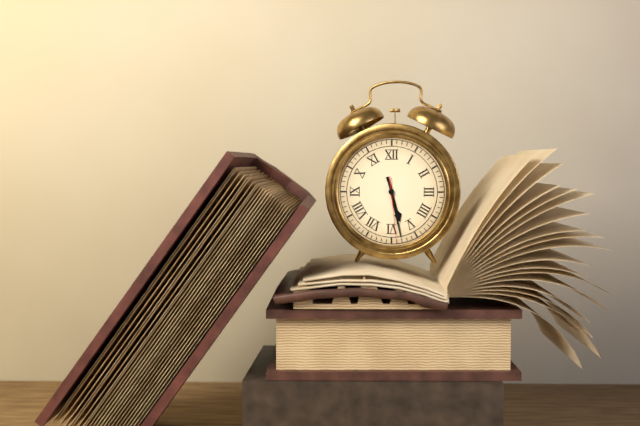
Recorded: 5.28.29
